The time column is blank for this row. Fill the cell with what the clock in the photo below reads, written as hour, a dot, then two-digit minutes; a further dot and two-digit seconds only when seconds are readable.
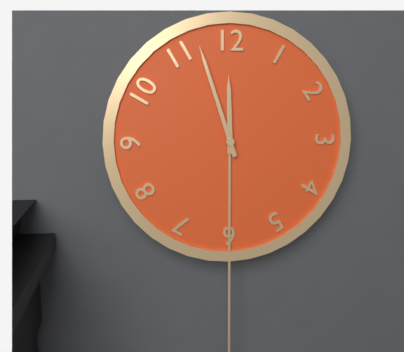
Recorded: 11.57
